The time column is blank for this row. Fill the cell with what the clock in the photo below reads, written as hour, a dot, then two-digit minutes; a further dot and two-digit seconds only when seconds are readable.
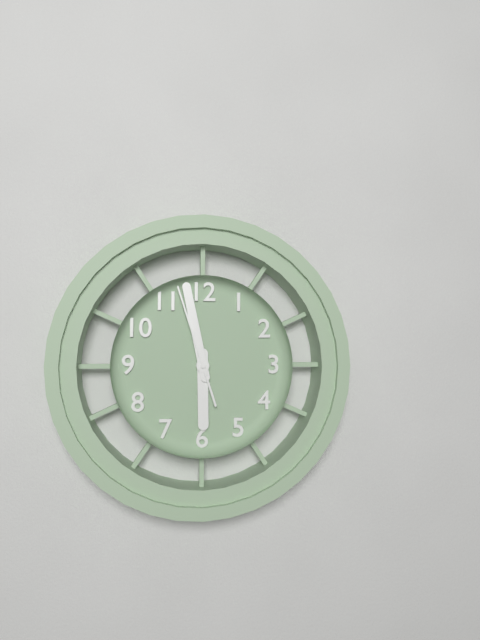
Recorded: 5.58.57
